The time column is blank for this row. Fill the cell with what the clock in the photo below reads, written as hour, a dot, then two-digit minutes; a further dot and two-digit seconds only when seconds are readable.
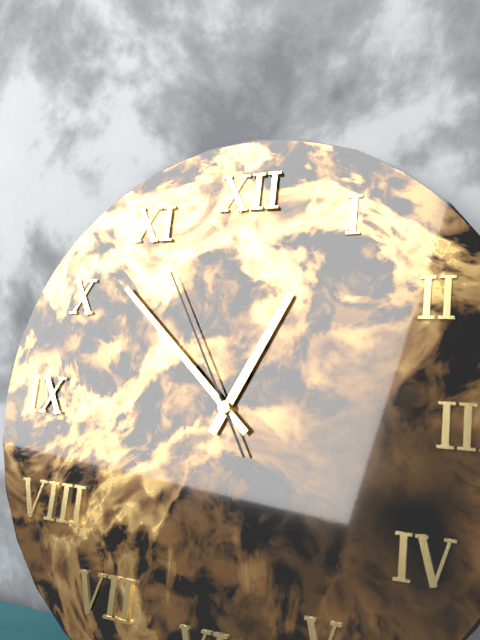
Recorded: 12.52.55
